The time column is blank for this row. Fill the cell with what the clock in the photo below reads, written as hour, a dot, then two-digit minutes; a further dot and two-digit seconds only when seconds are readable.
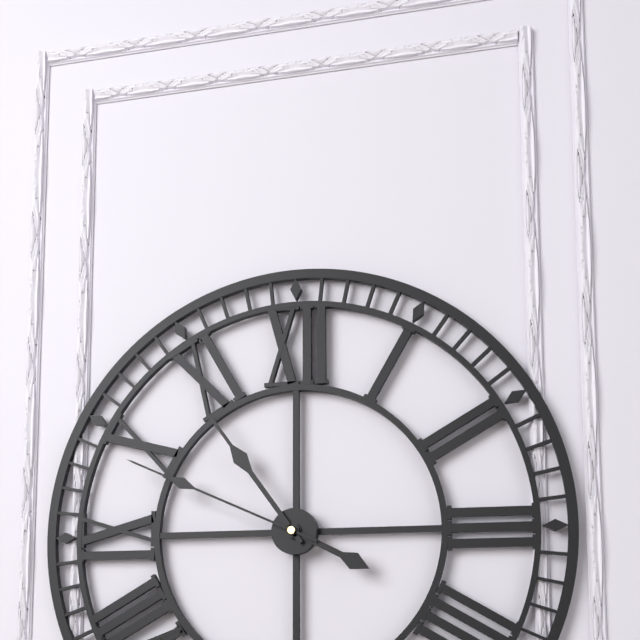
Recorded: 3.54.49
